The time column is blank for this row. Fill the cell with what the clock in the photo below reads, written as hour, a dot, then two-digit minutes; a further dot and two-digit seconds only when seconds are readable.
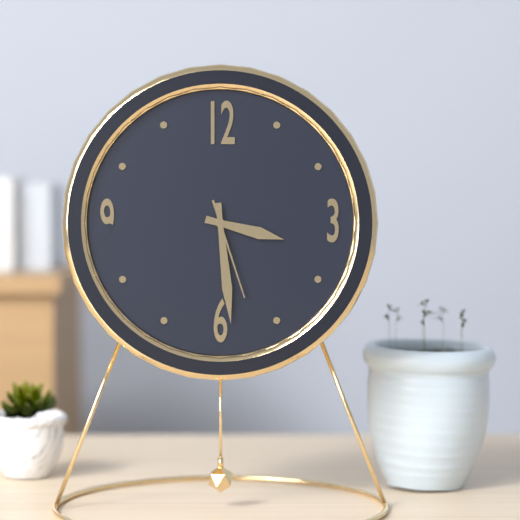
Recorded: 3.29.27
